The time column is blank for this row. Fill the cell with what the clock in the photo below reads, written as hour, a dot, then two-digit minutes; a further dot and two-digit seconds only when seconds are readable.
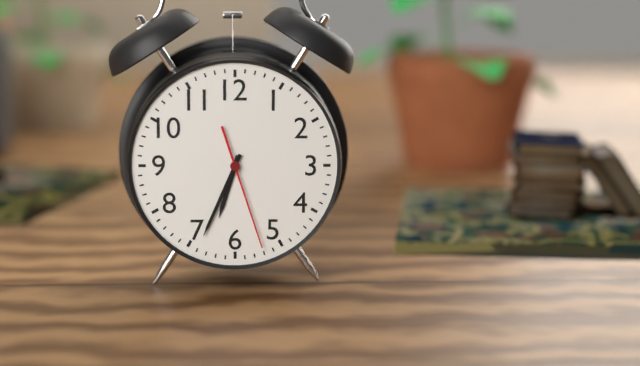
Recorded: 6.34.27
